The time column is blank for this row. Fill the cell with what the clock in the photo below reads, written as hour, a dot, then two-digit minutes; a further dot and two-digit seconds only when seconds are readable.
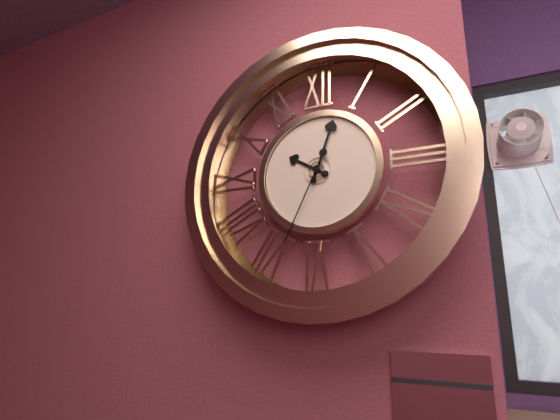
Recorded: 10.03.34
